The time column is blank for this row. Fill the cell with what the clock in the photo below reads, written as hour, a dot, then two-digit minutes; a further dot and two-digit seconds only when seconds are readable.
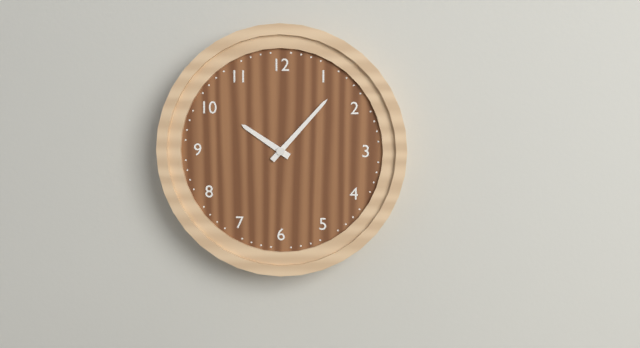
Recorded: 10.07
